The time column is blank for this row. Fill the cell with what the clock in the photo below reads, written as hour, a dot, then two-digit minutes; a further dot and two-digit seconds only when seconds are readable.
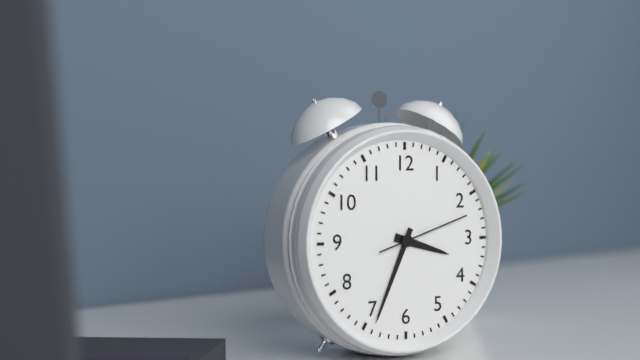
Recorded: 3.34.12
